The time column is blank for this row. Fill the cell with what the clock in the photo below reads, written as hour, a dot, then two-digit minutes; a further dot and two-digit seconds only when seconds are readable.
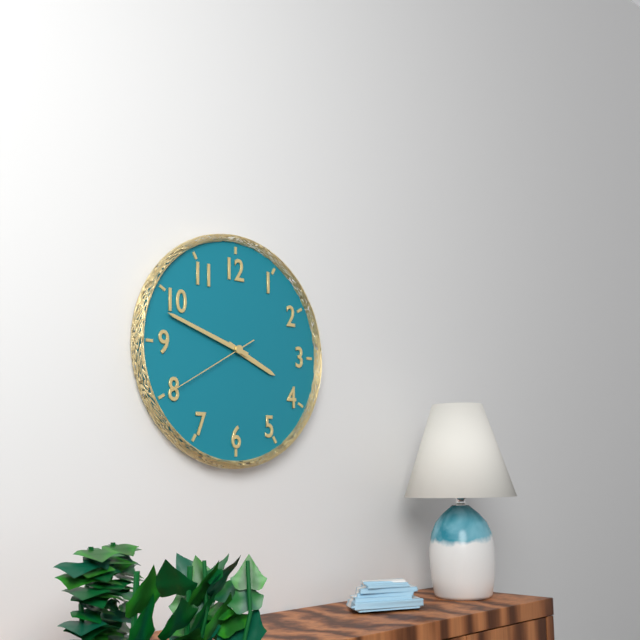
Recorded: 3.48.40
